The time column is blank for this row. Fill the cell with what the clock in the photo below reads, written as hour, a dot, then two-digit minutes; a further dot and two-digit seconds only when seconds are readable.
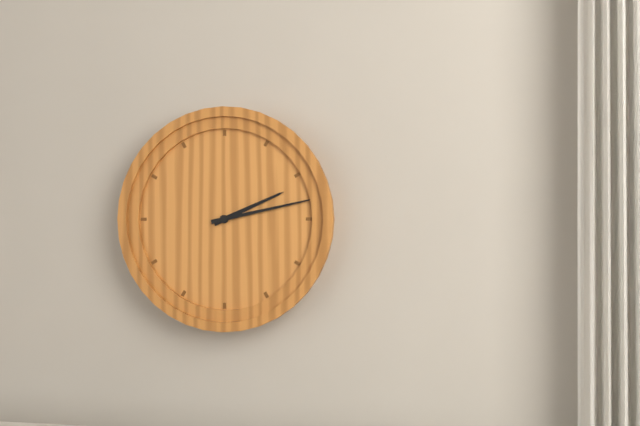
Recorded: 2.13
